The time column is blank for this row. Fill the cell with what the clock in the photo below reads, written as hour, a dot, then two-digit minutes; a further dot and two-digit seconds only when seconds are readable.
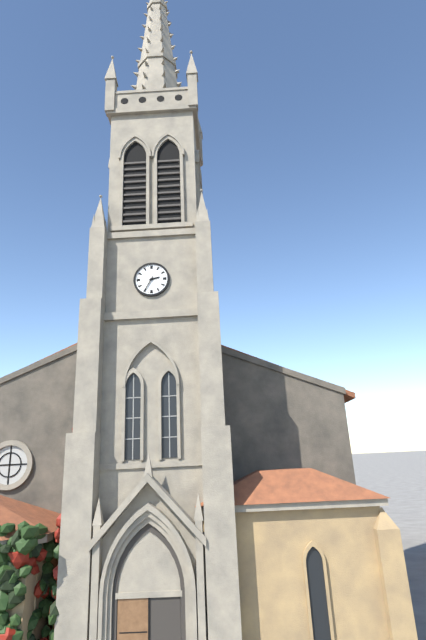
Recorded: 2.35
